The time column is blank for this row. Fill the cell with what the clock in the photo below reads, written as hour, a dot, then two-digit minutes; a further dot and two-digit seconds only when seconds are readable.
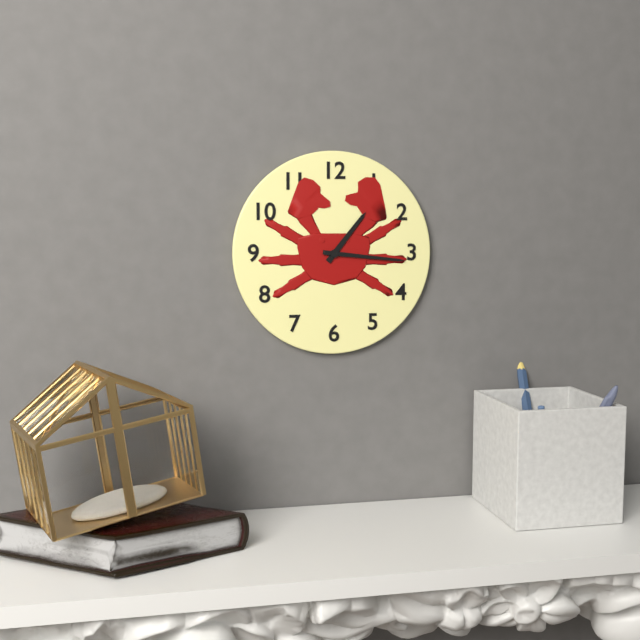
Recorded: 1.16
